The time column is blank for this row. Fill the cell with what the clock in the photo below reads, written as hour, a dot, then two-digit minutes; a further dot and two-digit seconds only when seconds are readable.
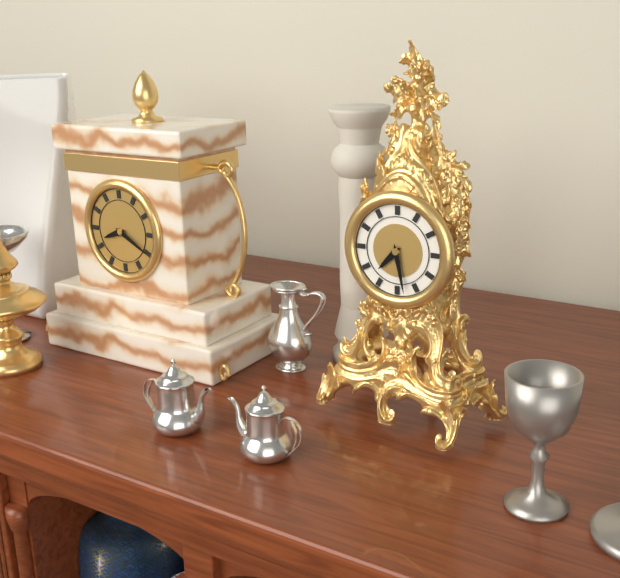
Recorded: 7.28
